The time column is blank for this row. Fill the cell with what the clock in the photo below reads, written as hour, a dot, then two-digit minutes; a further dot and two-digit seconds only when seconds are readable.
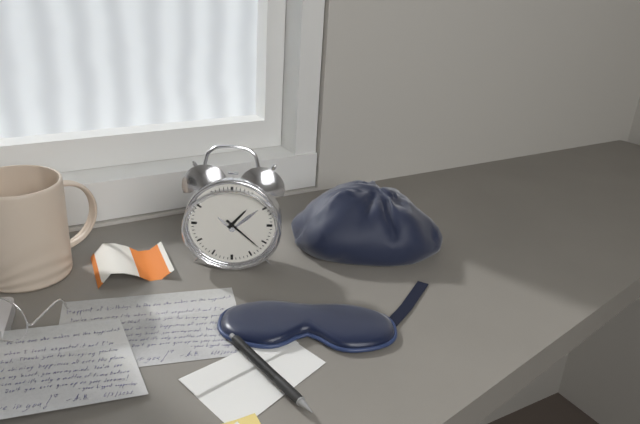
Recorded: 1.22
